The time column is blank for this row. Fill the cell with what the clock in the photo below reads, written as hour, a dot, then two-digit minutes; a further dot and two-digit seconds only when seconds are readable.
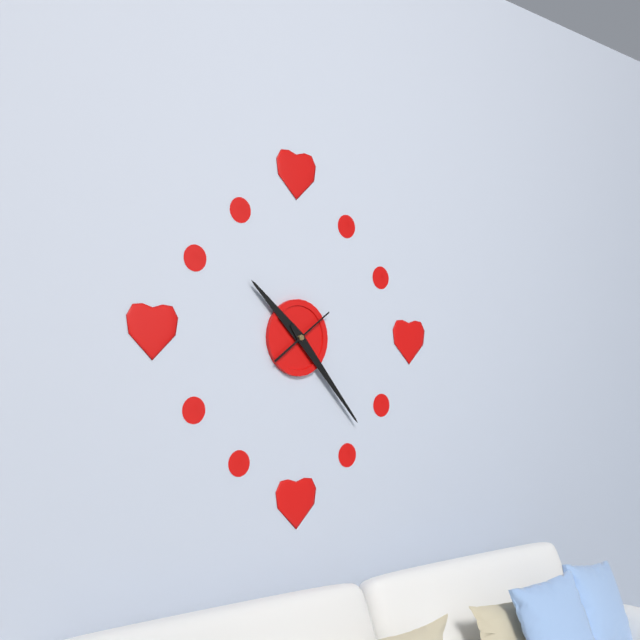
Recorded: 10.23
